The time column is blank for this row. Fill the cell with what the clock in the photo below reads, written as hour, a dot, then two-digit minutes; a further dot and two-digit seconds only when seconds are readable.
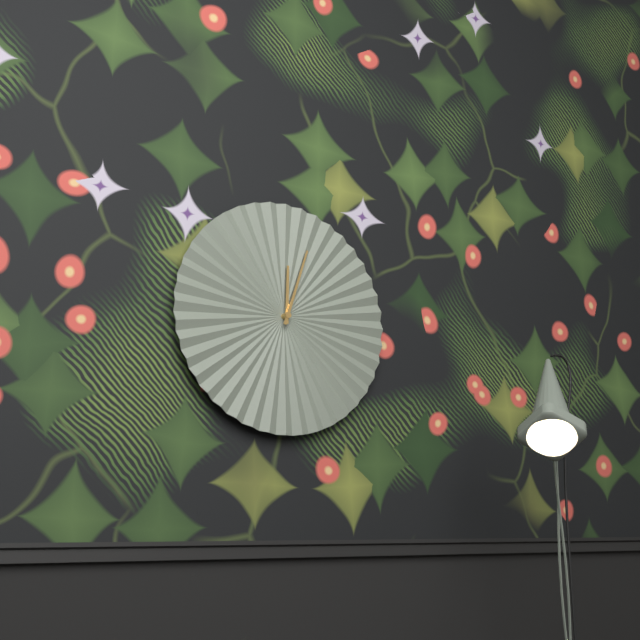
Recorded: 12.03
